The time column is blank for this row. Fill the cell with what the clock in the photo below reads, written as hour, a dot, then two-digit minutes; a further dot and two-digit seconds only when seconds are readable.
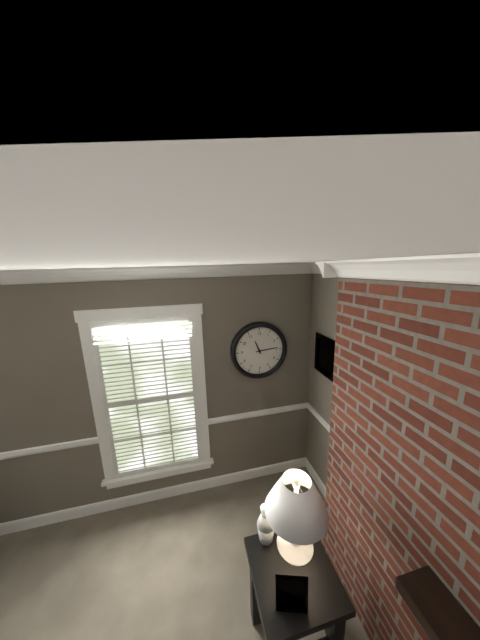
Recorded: 11.14
